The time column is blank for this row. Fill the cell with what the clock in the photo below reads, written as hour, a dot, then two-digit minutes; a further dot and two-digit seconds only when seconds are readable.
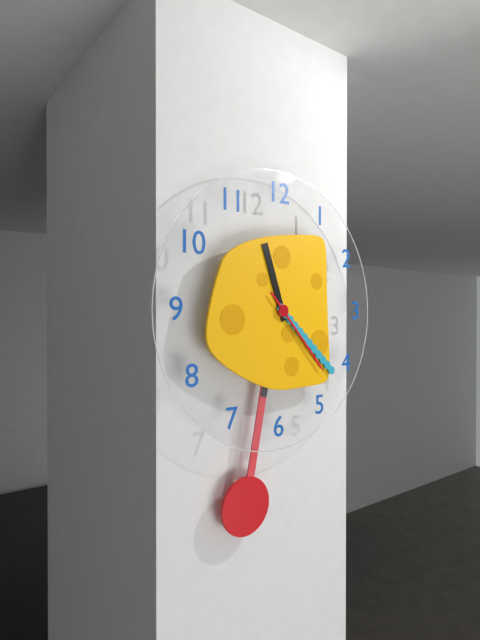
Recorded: 11.22.23
